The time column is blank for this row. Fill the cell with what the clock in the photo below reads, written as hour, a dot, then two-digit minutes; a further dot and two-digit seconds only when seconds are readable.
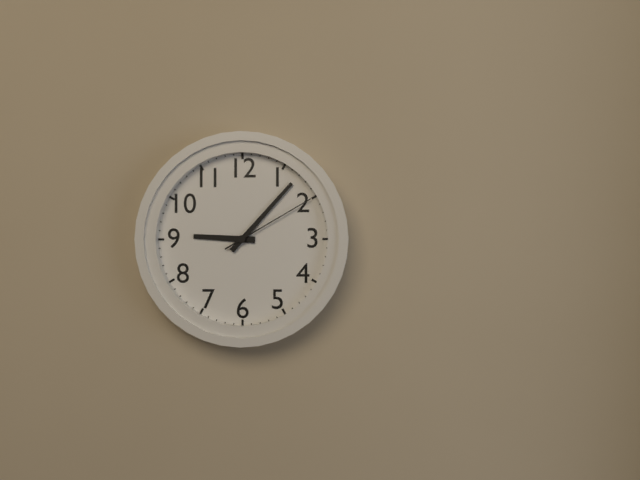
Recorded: 9.07.10
